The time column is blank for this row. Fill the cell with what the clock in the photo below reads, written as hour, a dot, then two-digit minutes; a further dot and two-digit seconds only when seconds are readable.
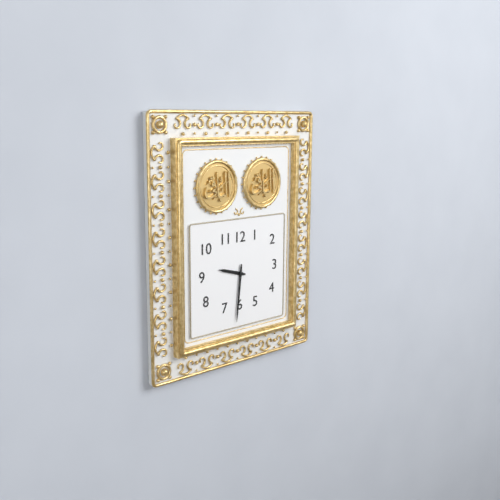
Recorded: 9.31
